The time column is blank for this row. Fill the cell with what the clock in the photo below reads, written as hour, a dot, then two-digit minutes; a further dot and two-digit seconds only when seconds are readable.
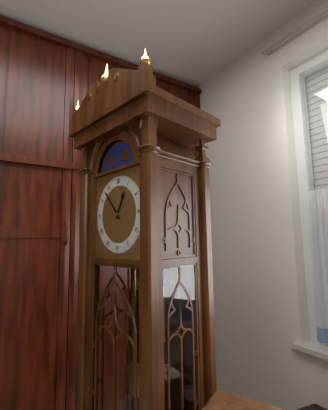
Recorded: 12.53
